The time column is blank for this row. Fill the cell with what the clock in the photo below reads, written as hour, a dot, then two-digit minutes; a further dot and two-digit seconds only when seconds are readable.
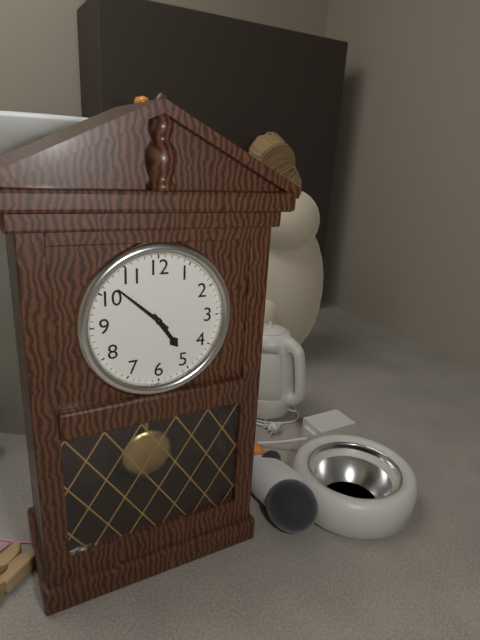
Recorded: 4.52
